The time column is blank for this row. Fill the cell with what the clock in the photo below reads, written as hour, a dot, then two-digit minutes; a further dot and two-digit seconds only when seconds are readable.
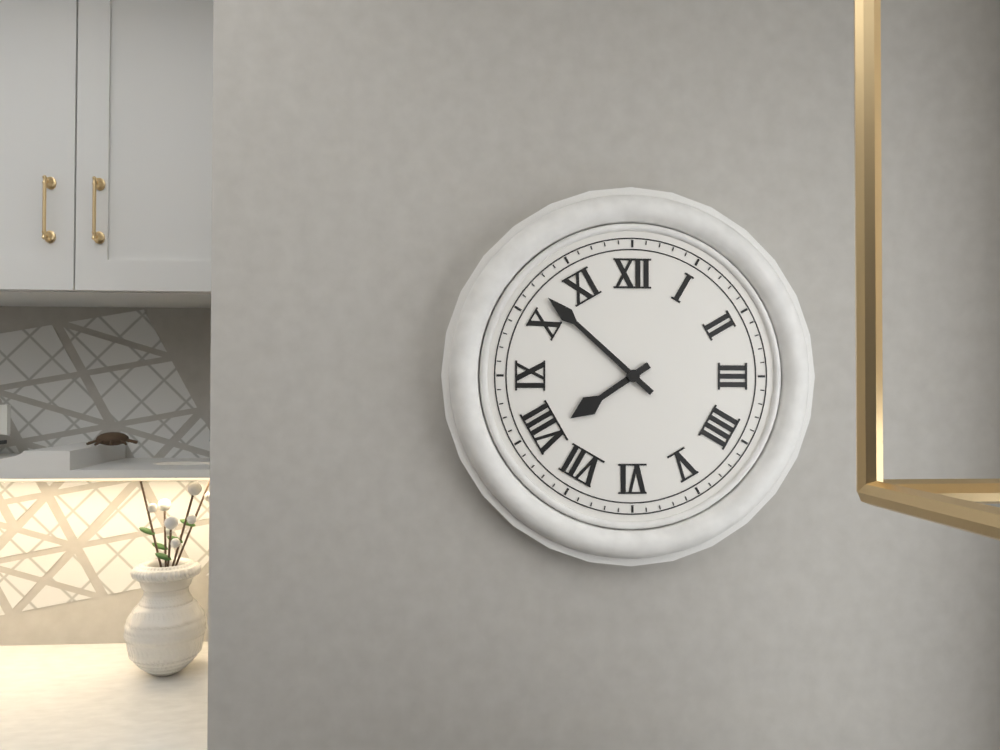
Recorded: 7.52
